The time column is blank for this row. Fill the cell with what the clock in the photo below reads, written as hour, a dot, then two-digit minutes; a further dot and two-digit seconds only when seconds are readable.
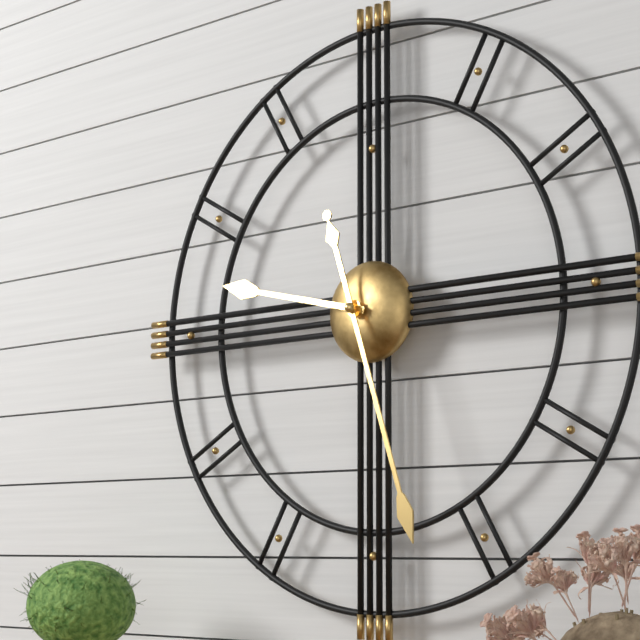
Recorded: 9.27
